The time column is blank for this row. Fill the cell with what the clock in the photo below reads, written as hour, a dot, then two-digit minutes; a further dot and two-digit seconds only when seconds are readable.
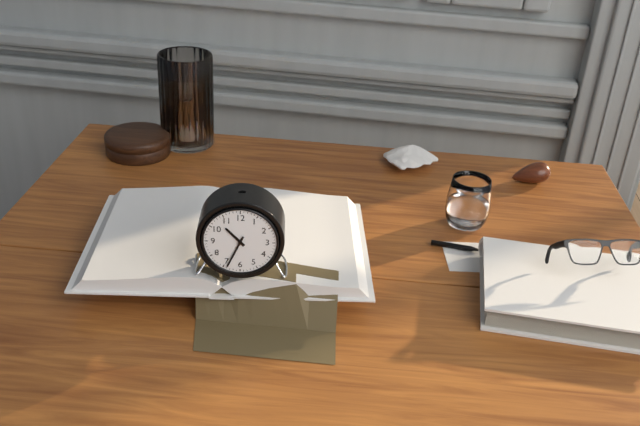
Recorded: 10.34
